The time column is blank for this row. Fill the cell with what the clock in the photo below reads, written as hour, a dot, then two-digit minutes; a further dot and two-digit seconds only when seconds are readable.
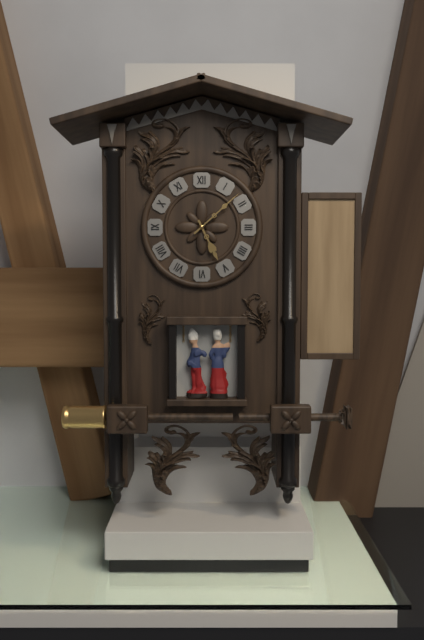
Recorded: 5.08
